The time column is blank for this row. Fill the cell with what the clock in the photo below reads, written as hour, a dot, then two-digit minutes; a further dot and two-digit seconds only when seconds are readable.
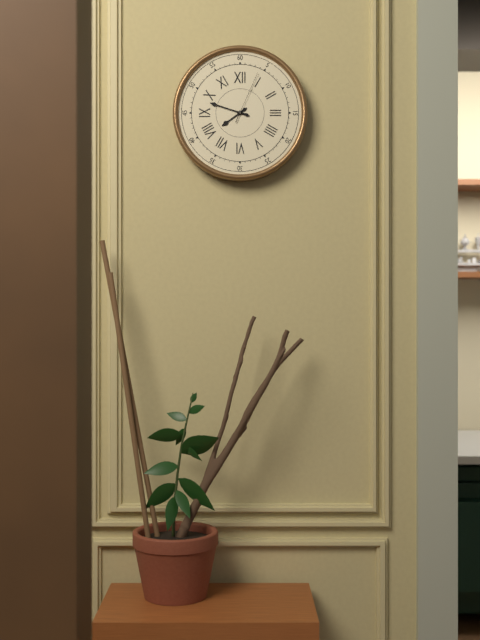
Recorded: 7.48.04
